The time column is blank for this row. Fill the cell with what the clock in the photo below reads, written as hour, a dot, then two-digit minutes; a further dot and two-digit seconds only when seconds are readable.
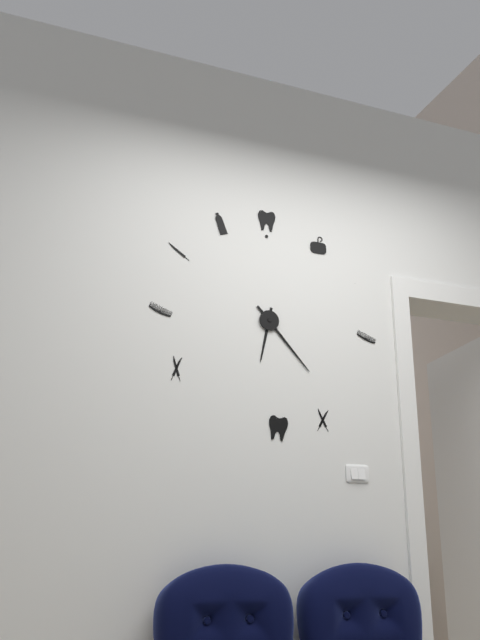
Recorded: 6.23
